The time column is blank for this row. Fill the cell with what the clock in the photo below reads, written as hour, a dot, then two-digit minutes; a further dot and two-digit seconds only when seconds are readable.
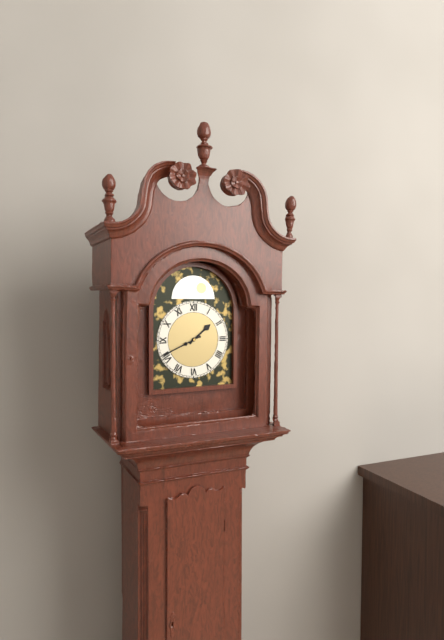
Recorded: 1.41
